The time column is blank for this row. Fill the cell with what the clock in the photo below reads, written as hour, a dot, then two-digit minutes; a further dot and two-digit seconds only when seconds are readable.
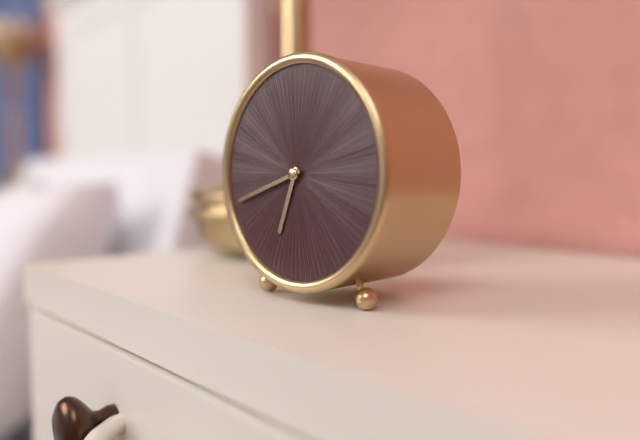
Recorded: 6.42
